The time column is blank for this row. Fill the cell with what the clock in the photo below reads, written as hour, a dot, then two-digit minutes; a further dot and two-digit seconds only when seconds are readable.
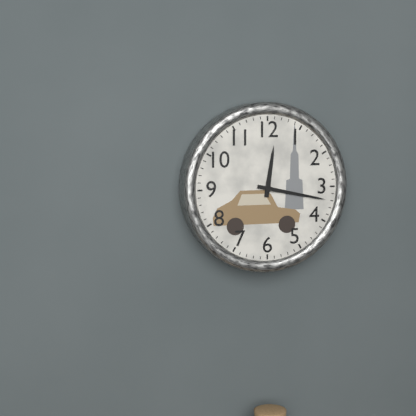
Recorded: 12.17
